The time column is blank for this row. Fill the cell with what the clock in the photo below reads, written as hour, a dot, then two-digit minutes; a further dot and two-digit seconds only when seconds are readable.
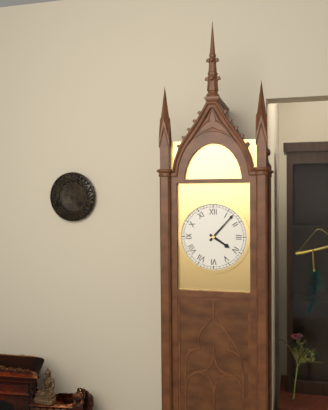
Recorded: 4.07
